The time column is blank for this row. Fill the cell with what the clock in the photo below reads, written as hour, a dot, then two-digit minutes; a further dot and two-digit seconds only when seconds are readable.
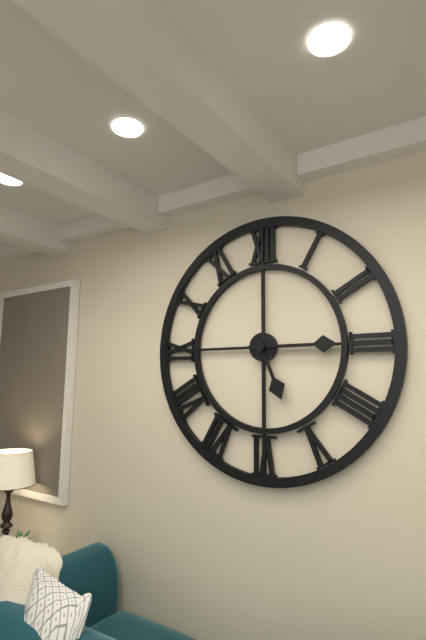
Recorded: 5.15
